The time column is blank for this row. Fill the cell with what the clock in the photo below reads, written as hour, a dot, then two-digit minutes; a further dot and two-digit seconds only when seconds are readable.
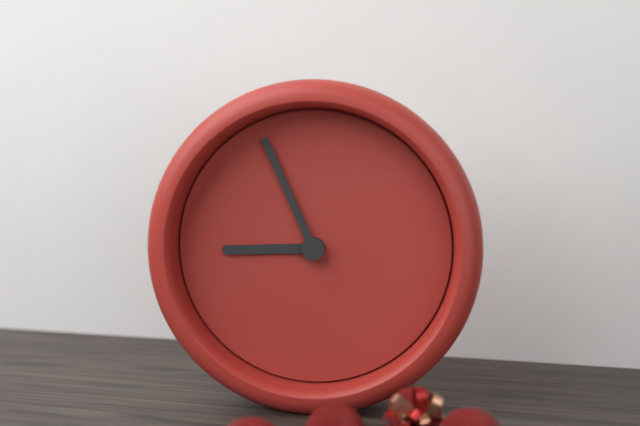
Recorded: 8.56
